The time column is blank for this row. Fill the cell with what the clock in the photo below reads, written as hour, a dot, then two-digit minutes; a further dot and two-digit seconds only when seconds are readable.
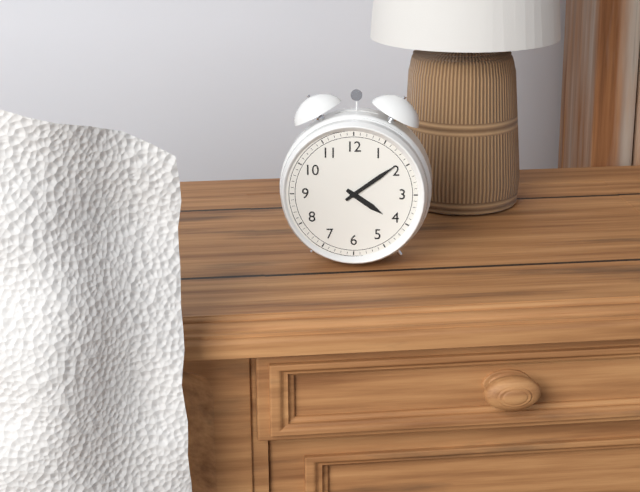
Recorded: 4.09
